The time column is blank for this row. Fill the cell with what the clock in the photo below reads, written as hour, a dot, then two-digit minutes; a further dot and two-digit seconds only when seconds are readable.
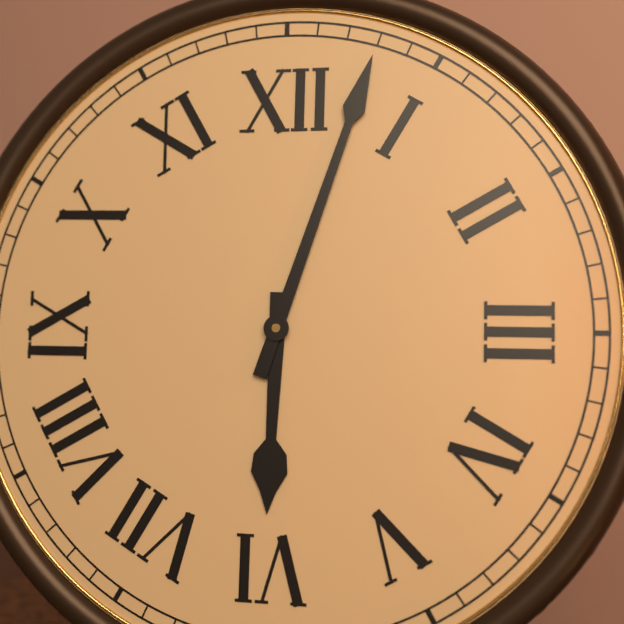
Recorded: 6.03
